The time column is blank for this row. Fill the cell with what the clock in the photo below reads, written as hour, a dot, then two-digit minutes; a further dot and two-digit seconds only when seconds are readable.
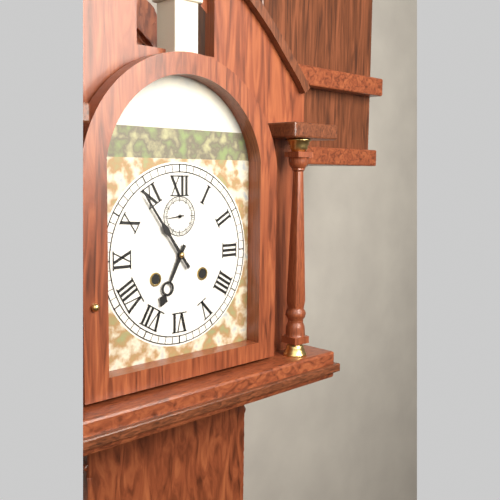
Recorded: 6.54
